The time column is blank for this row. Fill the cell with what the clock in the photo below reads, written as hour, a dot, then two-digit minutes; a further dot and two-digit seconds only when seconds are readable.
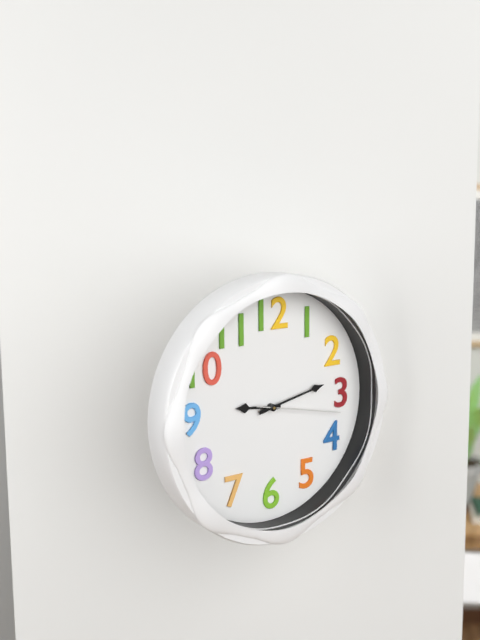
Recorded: 9.13.17
